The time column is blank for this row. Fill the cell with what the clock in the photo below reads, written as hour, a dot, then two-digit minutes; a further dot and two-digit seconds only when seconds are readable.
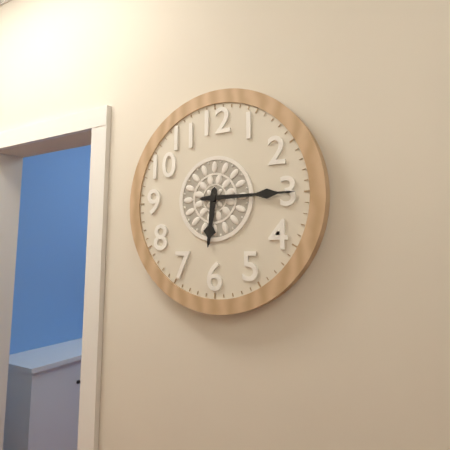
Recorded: 6.15
